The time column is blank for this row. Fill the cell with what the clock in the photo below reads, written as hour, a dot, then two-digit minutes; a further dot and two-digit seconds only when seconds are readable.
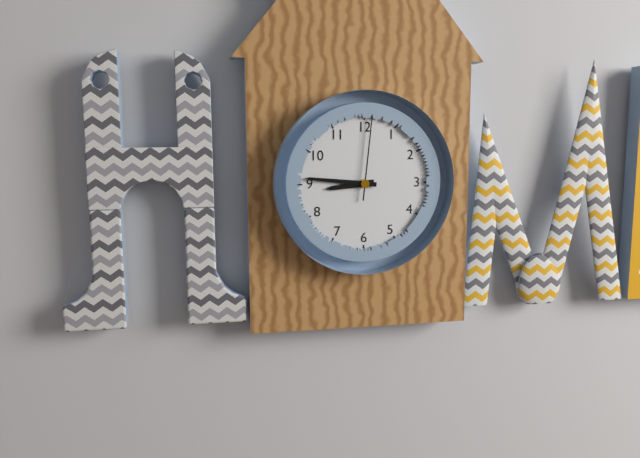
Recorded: 8.46.01
